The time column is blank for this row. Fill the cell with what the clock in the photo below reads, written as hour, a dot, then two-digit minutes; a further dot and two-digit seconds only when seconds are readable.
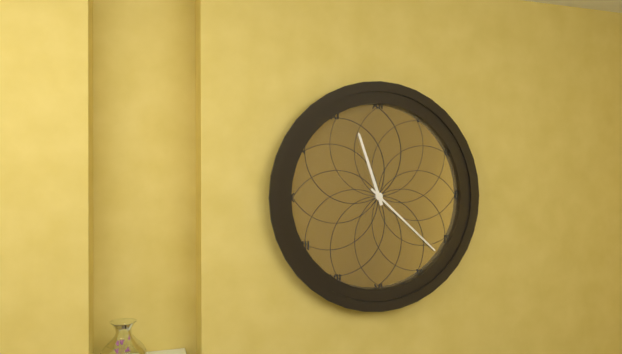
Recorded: 11.22
